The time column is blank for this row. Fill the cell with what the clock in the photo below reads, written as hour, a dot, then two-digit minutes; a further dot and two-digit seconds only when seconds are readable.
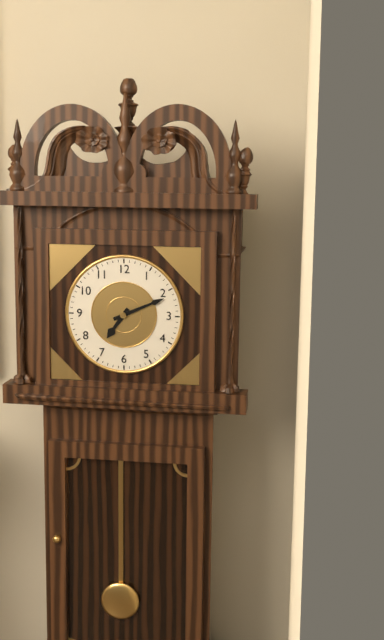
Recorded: 7.11
